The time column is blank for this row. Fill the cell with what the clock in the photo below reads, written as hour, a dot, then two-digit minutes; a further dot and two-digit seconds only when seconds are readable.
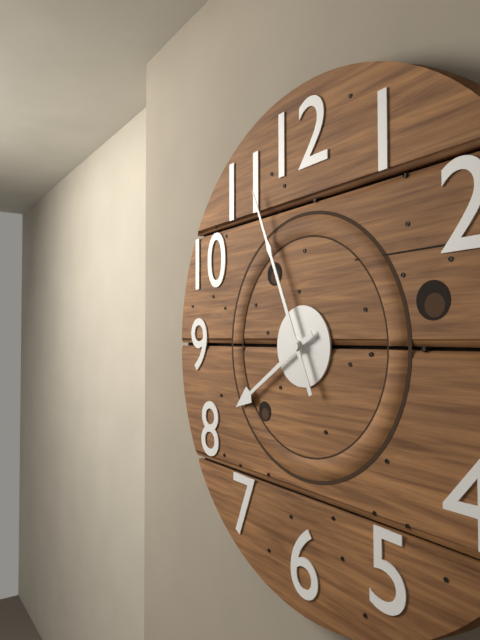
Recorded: 7.56
